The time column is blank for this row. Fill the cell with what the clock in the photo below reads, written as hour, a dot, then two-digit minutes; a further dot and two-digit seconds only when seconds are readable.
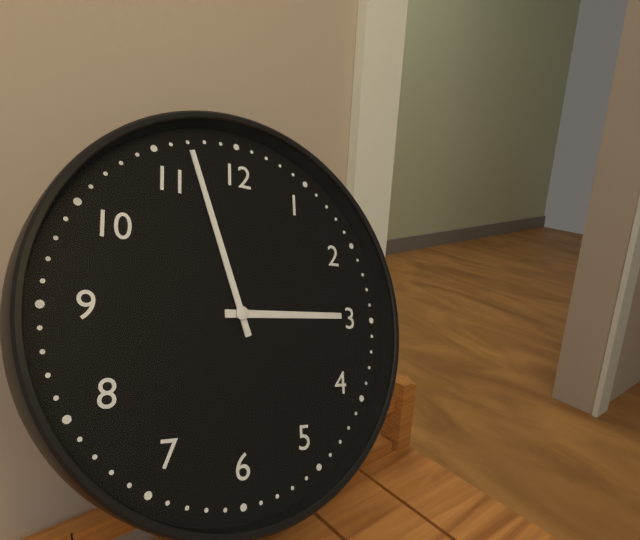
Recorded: 2.57
